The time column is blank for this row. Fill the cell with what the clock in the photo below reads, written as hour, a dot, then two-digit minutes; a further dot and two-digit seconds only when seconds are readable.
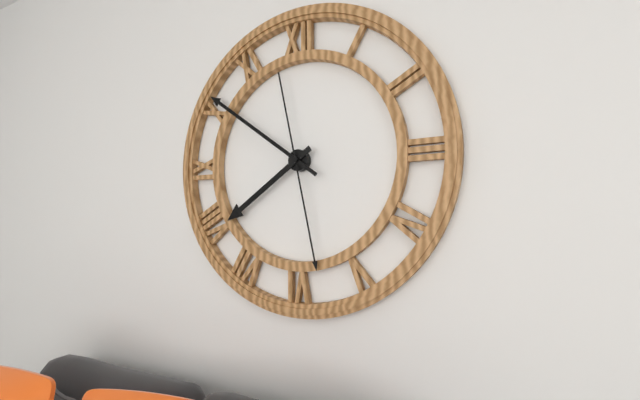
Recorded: 7.51.28
